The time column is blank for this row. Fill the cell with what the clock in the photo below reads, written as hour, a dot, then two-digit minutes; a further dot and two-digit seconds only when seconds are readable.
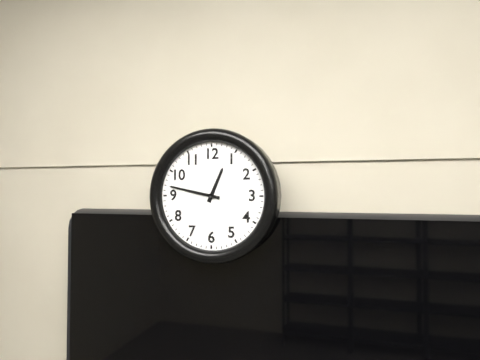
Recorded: 12.47
